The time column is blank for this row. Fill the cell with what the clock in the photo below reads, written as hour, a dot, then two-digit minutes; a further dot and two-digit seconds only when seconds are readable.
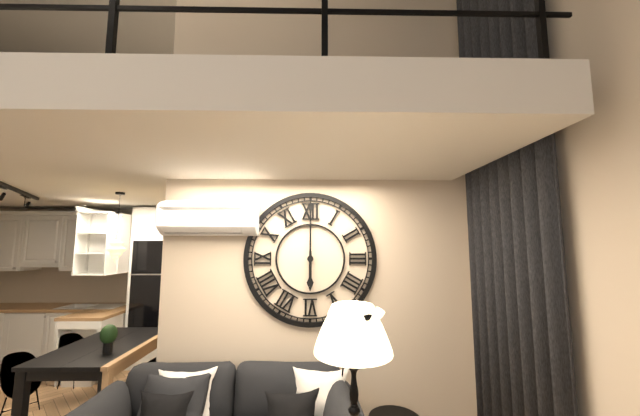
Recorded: 6.00
